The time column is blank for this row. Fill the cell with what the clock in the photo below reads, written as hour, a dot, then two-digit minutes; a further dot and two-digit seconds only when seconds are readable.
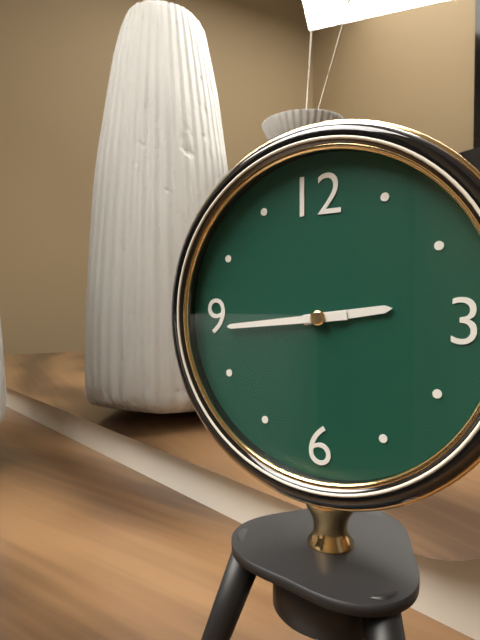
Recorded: 2.44
